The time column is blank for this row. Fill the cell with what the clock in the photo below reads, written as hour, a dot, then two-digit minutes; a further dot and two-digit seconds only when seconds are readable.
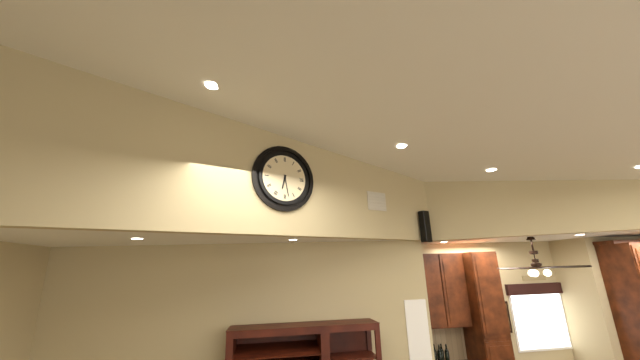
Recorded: 6.28
